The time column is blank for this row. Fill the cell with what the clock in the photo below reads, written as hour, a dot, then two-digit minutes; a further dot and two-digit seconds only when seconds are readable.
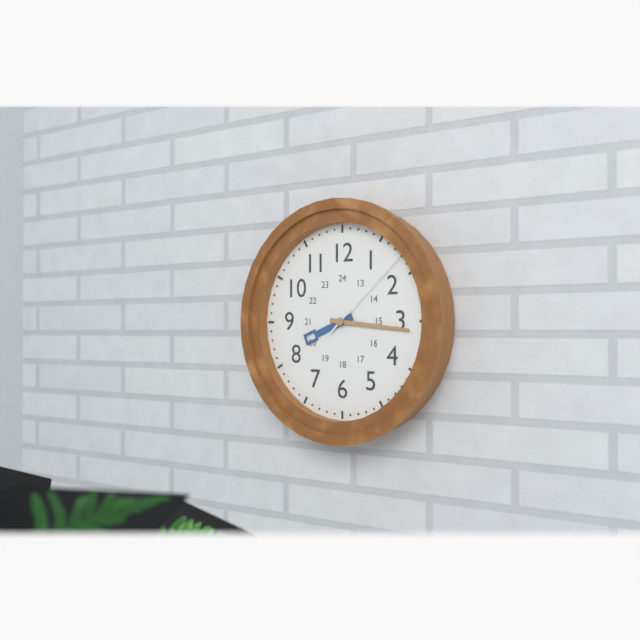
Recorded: 8.16.08
